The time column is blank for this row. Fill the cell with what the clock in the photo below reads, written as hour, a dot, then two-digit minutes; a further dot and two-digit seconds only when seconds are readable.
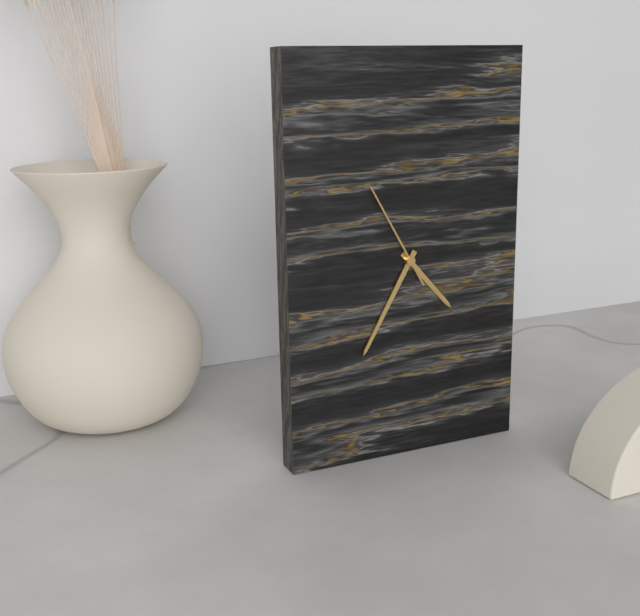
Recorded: 4.35.55
